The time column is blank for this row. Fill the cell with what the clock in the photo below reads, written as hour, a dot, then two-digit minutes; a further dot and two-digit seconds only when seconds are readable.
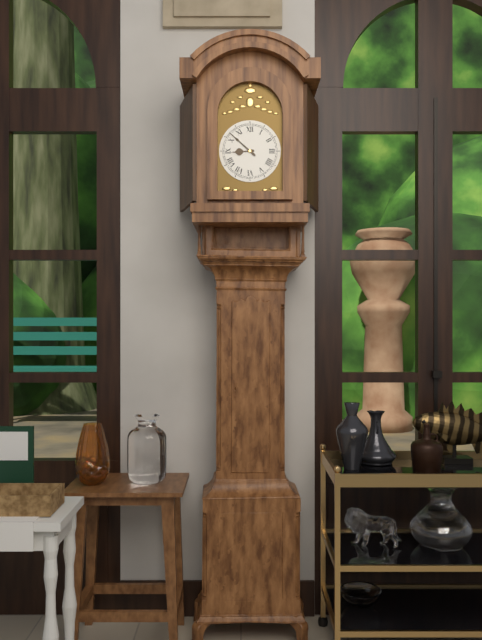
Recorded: 8.52
